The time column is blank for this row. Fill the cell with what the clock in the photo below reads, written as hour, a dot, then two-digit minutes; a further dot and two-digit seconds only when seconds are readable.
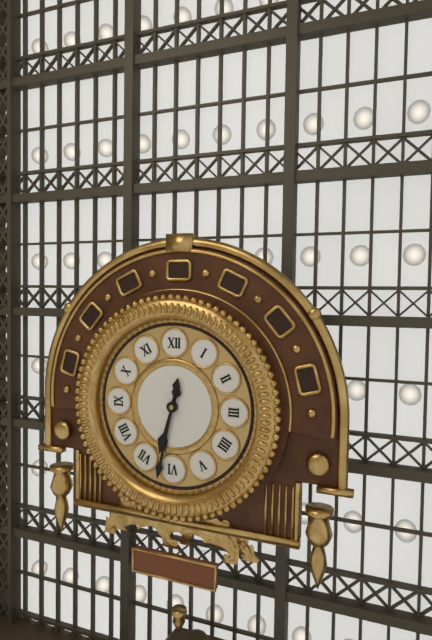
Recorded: 6.32
